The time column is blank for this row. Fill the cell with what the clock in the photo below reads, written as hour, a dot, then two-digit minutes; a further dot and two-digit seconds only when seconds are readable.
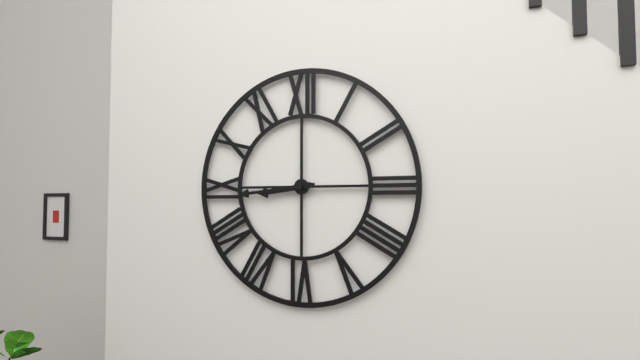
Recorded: 8.44
